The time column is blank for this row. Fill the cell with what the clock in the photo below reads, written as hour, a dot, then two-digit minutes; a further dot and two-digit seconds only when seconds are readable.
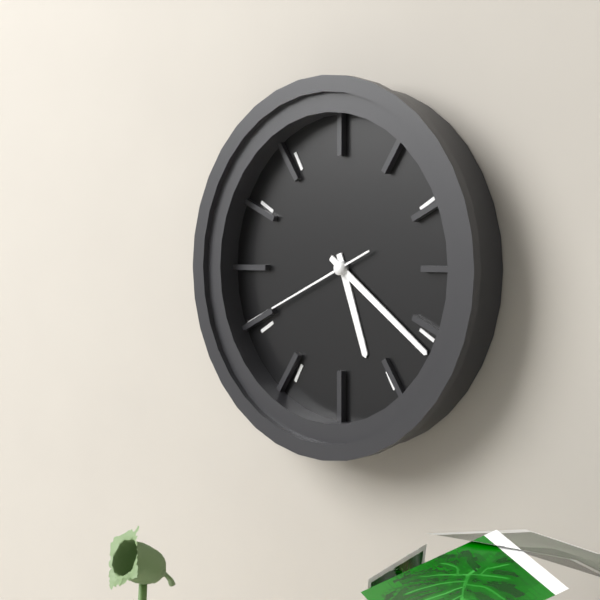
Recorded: 5.21.41
